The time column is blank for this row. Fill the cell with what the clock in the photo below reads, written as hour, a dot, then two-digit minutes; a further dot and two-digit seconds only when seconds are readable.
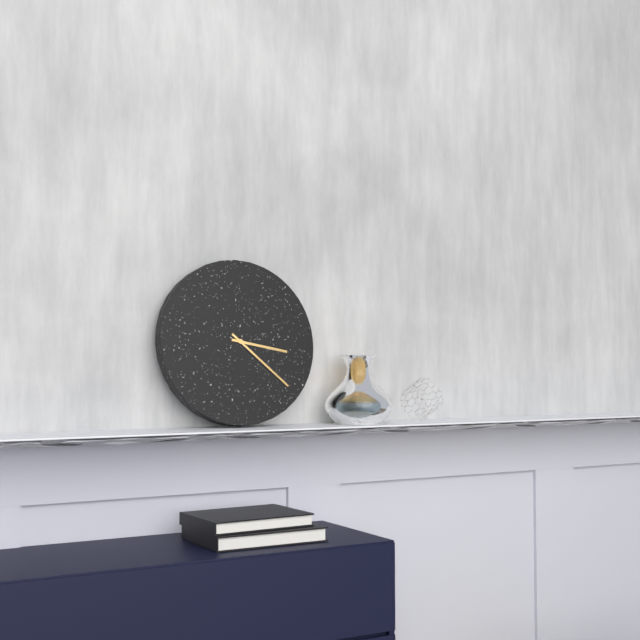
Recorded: 3.22
